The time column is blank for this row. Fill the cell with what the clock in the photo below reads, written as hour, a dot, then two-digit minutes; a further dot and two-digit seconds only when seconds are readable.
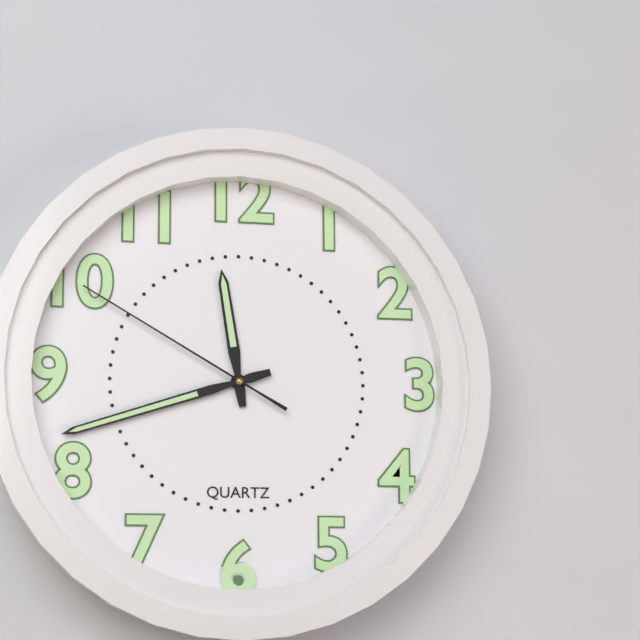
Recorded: 11.42.50
